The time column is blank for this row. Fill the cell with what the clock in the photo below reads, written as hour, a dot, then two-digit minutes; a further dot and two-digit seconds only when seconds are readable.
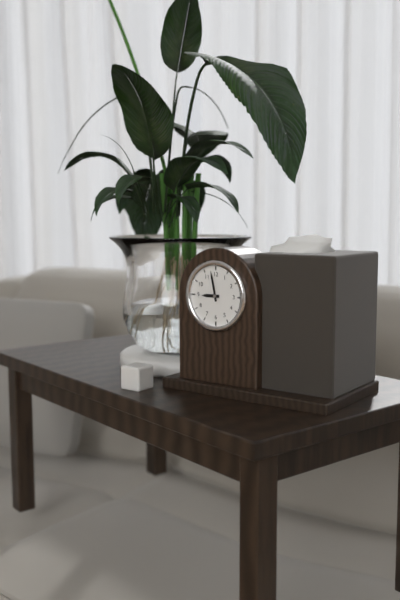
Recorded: 8.58
